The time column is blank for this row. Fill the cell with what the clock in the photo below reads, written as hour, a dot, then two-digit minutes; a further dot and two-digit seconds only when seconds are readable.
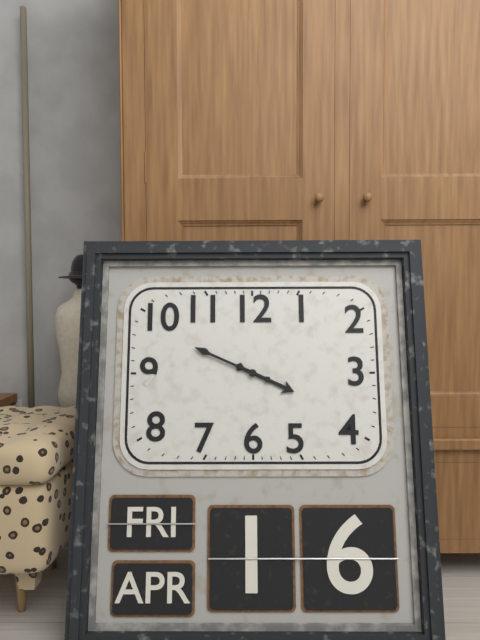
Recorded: 3.49
